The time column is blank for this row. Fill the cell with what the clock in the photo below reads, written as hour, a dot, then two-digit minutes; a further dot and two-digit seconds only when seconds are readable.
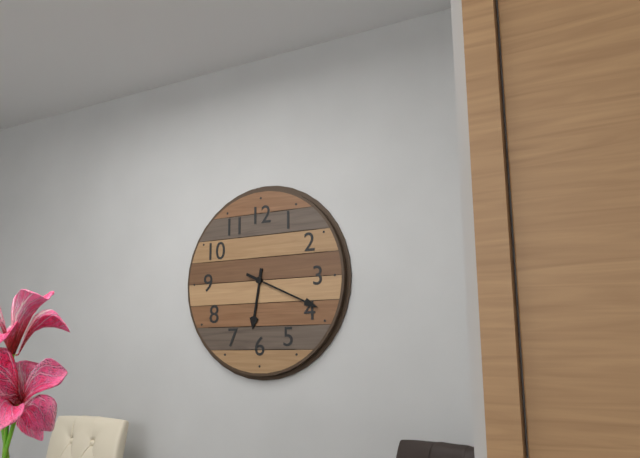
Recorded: 6.19
